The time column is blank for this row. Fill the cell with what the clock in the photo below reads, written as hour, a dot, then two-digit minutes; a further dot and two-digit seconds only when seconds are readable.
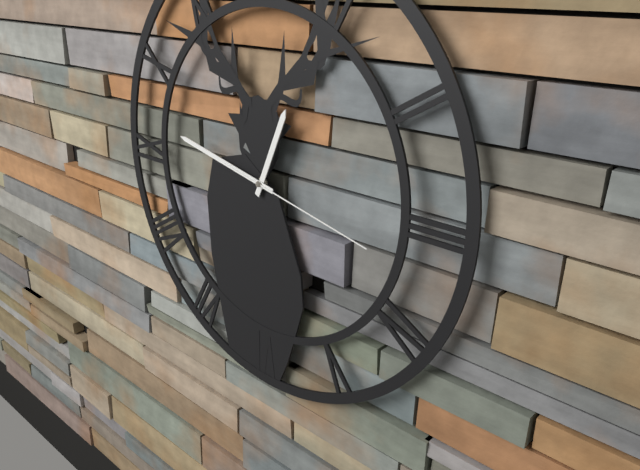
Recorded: 12.47.17
